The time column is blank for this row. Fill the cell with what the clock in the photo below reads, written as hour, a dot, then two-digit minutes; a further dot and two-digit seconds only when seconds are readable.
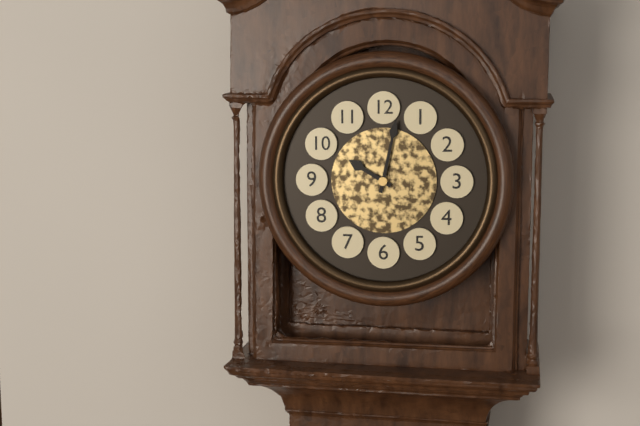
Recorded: 10.02
